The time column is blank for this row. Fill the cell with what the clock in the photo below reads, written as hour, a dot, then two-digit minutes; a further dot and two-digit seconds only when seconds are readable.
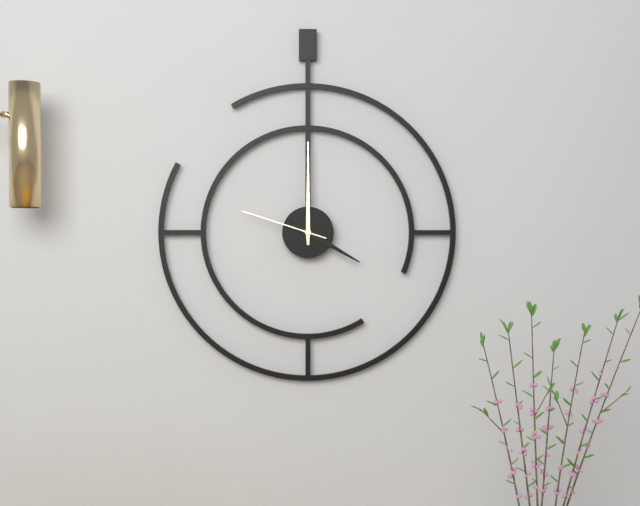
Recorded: 4.00.48
